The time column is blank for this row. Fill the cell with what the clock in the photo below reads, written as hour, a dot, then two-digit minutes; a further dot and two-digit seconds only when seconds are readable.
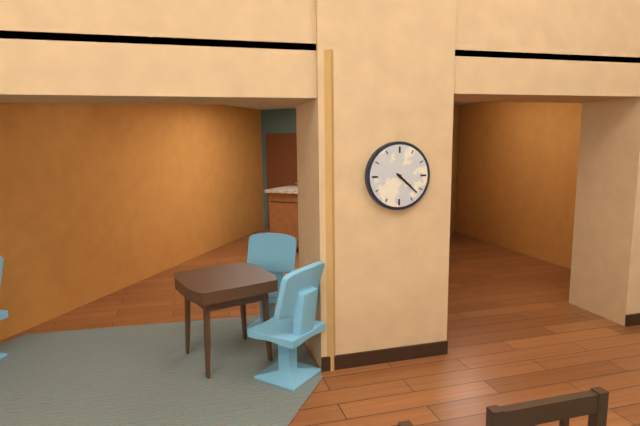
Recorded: 4.22
